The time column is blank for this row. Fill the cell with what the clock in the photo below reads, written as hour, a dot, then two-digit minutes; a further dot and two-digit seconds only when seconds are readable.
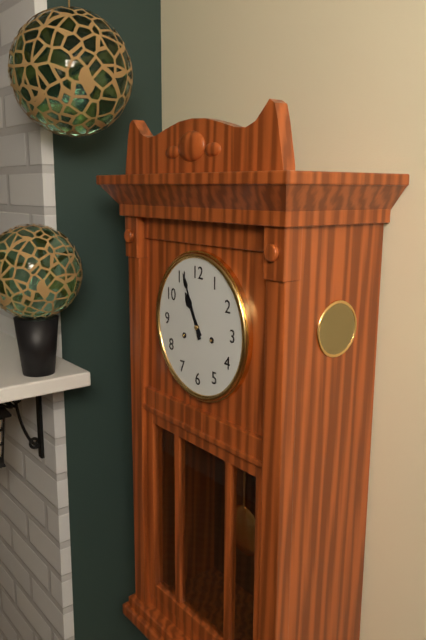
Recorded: 10.56
